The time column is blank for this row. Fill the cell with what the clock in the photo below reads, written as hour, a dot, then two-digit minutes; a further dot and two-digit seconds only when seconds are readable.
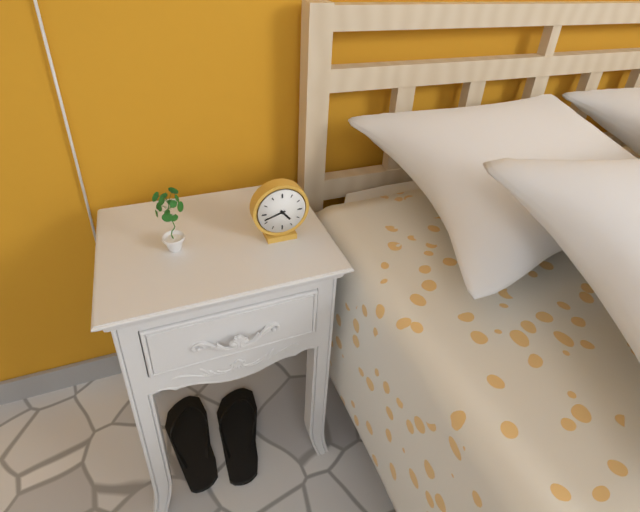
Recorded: 4.42
